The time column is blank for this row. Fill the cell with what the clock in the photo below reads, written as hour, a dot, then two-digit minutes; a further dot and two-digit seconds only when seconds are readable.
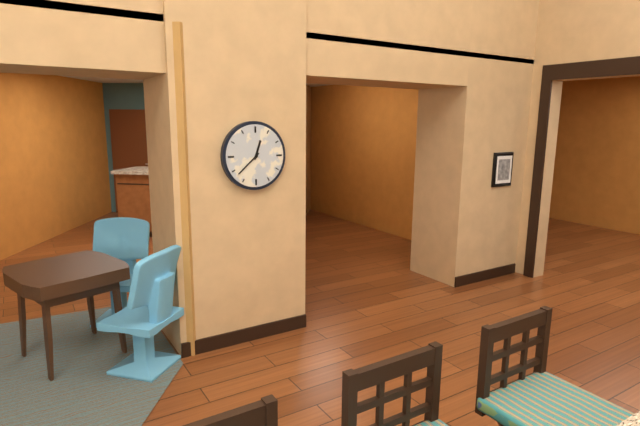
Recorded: 12.38
